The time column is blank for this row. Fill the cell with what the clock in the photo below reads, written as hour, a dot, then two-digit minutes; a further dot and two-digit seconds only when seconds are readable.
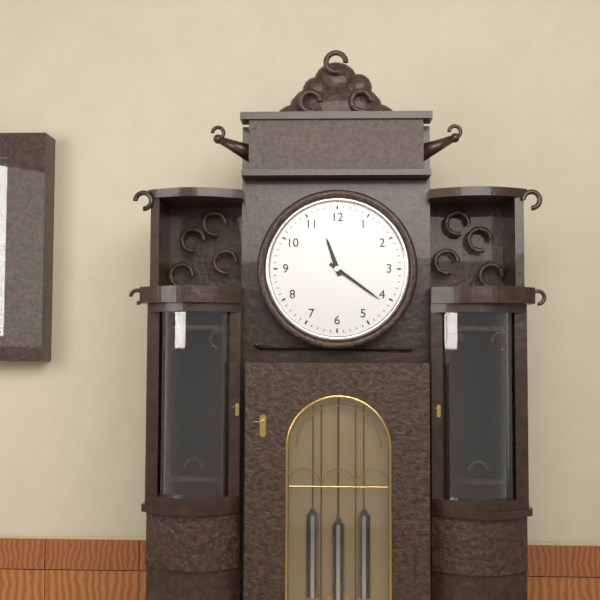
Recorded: 11.21
